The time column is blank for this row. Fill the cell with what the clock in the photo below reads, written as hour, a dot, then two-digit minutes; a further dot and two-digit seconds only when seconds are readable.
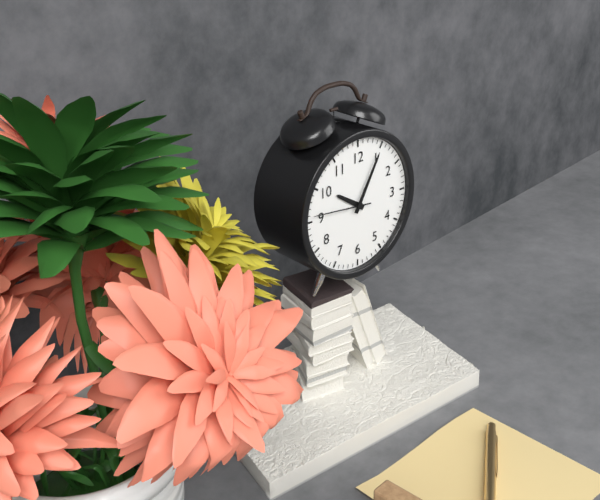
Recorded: 10.05.46
